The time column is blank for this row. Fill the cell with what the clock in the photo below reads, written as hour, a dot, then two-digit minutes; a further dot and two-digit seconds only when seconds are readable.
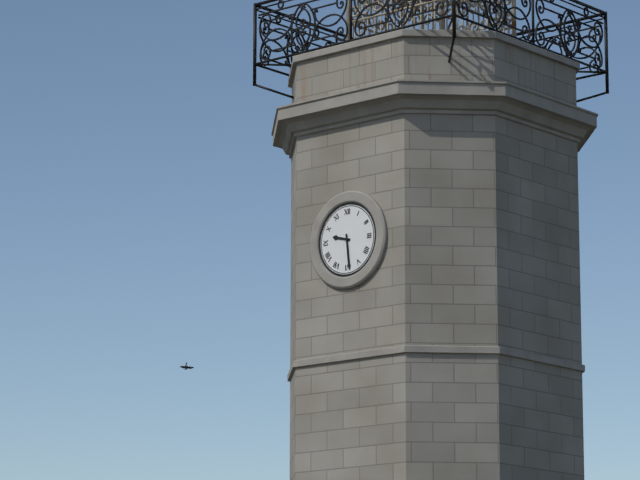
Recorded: 9.29
